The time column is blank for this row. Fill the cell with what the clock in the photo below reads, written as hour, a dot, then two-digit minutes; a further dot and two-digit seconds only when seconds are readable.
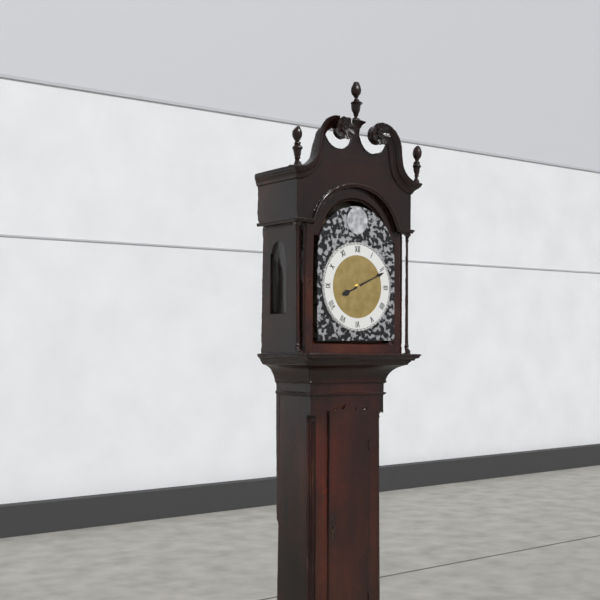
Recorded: 8.11
